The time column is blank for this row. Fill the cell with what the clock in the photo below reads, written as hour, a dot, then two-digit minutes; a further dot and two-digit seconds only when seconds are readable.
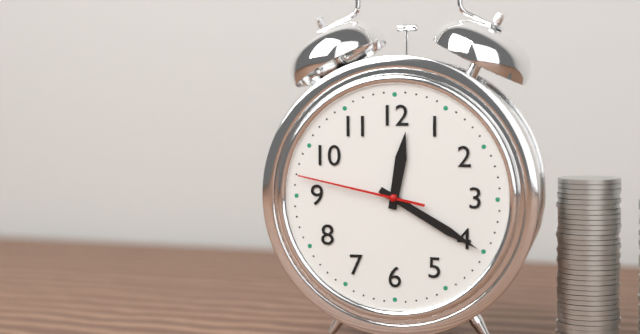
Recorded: 12.20.47
